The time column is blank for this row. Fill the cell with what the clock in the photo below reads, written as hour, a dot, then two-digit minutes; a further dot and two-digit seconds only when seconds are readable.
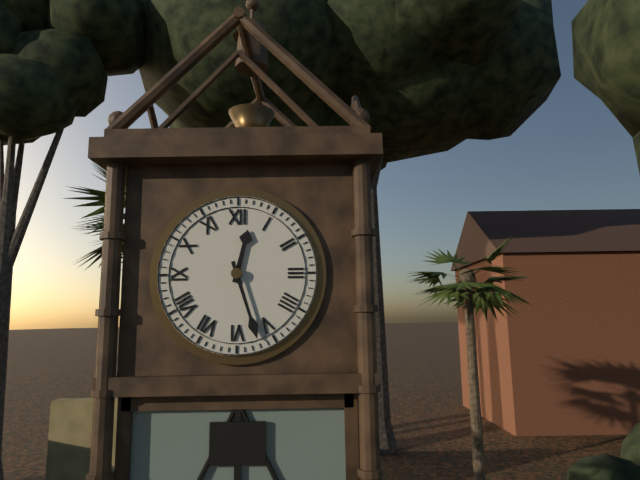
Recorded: 12.27
